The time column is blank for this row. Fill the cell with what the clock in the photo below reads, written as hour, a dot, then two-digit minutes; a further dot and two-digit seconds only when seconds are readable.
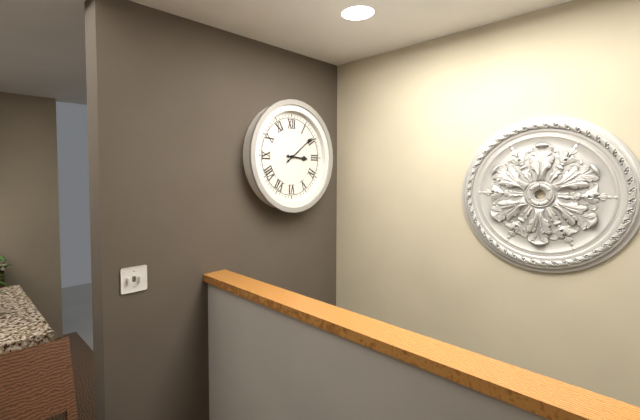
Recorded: 3.09
